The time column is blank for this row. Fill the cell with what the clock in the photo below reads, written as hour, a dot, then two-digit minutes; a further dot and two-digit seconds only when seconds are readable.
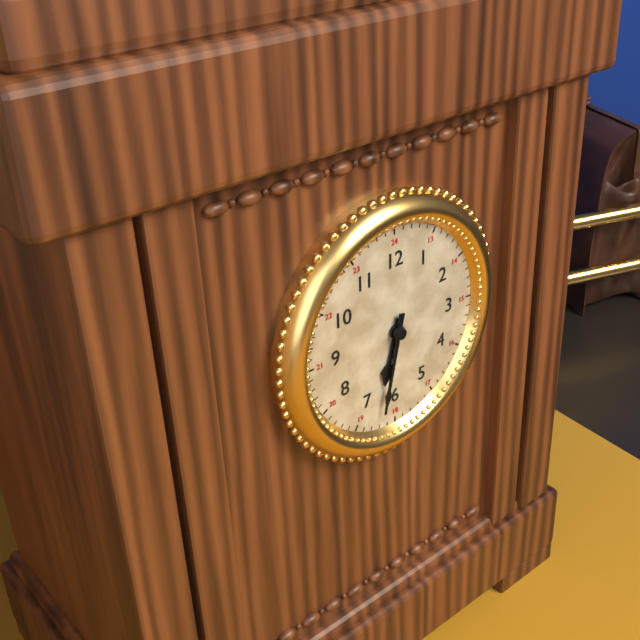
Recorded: 6.32
